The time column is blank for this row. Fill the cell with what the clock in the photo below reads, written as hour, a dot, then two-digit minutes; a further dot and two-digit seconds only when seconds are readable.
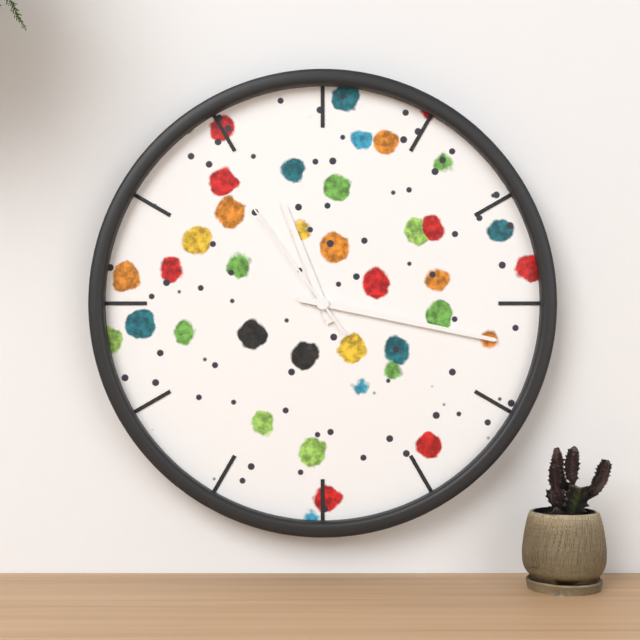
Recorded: 11.17.54
